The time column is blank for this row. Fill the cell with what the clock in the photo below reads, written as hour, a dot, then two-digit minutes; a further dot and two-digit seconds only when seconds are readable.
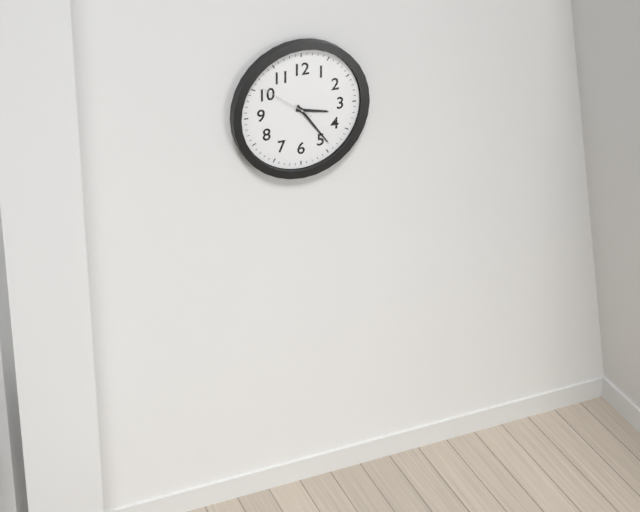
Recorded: 3.24.51
